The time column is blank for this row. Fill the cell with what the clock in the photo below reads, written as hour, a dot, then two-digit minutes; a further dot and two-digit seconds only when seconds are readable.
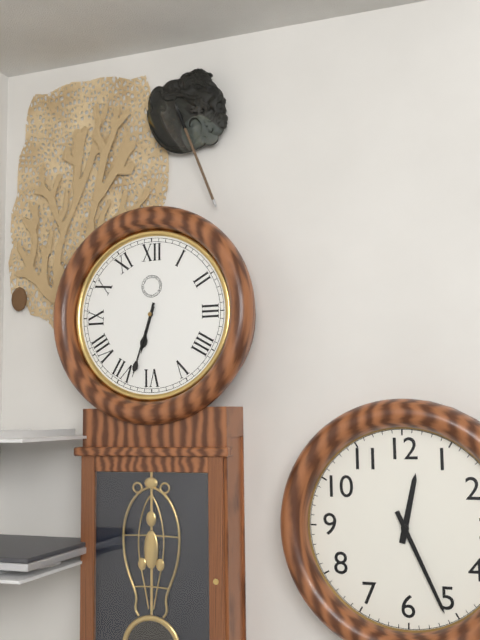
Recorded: 6.33
